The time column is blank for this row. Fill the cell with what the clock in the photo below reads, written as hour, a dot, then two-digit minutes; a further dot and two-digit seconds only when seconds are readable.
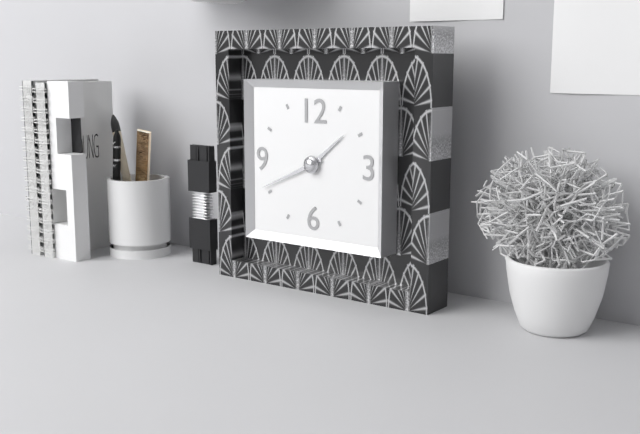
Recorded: 1.41
